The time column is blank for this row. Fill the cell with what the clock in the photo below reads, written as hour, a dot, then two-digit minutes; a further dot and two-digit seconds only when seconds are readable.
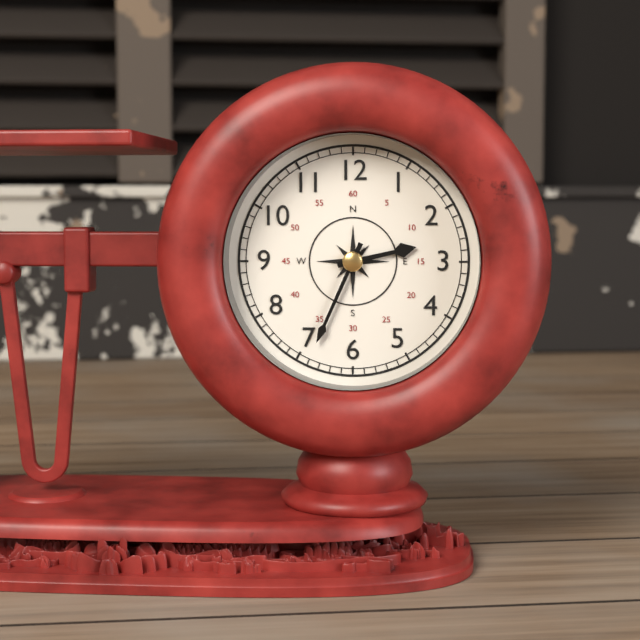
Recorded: 2.34
